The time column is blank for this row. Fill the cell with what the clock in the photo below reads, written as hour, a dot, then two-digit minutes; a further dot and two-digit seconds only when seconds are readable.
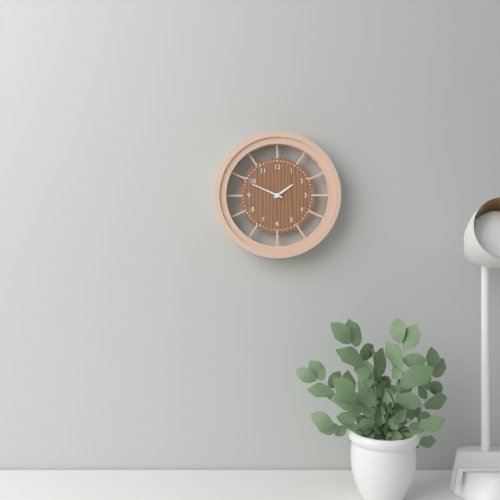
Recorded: 1.49
